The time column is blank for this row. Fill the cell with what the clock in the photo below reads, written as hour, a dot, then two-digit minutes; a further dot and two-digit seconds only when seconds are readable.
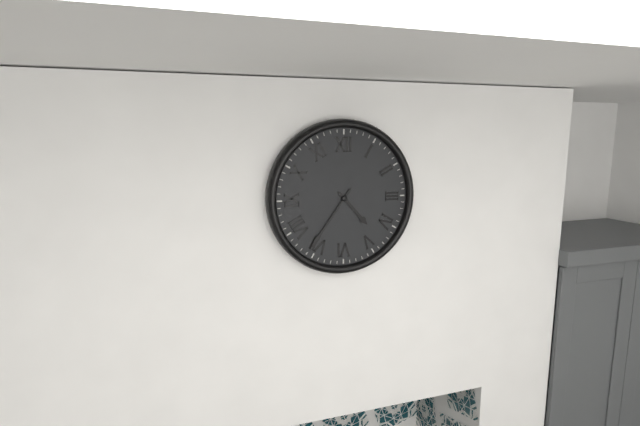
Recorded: 4.36
